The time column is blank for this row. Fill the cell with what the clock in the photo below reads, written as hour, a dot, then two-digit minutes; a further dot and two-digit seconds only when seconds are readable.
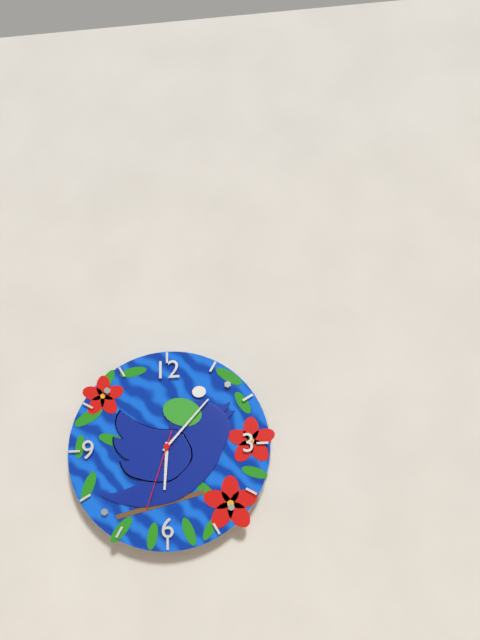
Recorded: 6.07.33
